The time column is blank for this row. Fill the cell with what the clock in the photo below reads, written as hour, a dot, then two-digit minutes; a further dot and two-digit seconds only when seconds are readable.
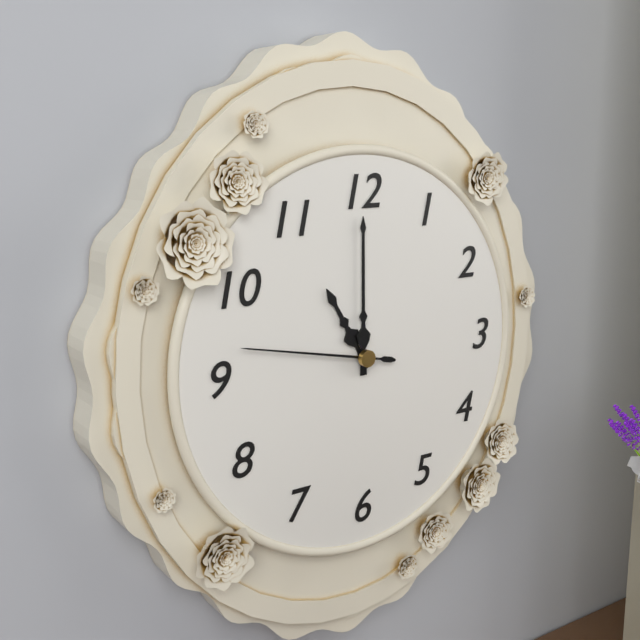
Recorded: 11.00.47
